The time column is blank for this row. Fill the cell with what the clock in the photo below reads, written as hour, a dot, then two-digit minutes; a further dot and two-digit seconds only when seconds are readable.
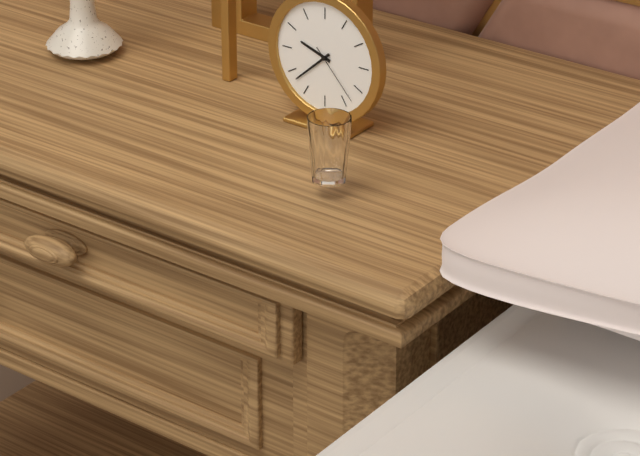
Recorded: 9.38.23
